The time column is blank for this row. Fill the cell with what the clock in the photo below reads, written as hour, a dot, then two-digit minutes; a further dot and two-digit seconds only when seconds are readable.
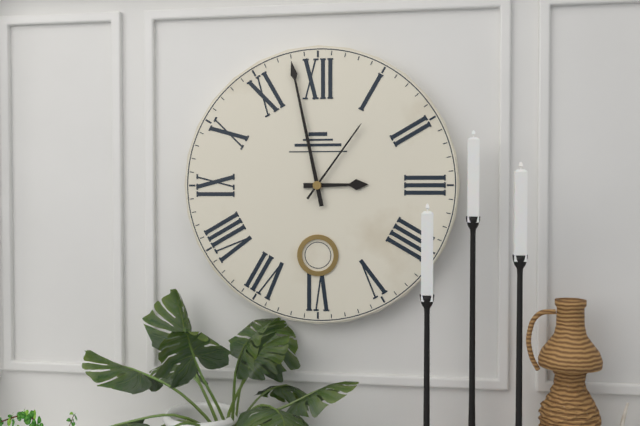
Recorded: 2.58.06
